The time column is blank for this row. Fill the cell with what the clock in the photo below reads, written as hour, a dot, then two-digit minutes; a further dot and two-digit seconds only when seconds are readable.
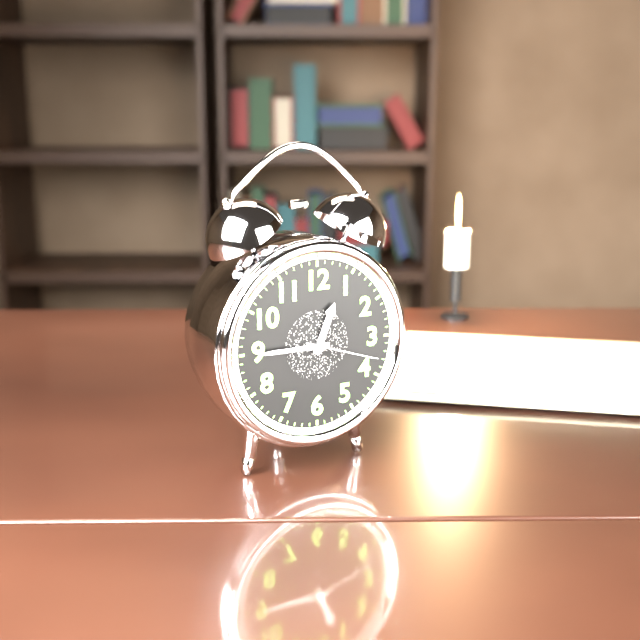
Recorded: 12.45.18
